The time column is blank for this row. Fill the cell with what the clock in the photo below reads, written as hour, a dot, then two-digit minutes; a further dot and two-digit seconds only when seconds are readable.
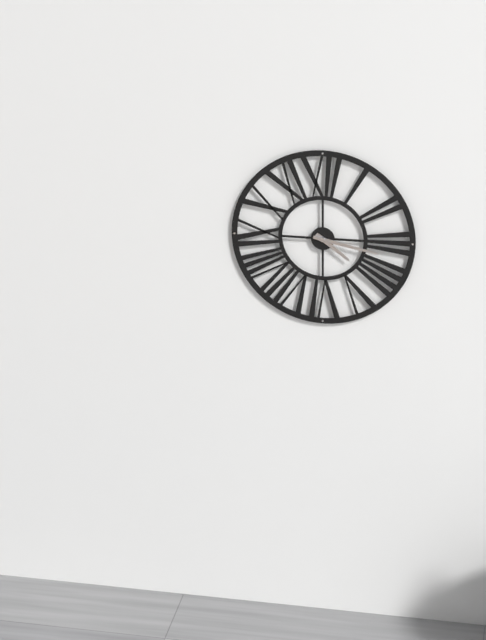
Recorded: 4.17
